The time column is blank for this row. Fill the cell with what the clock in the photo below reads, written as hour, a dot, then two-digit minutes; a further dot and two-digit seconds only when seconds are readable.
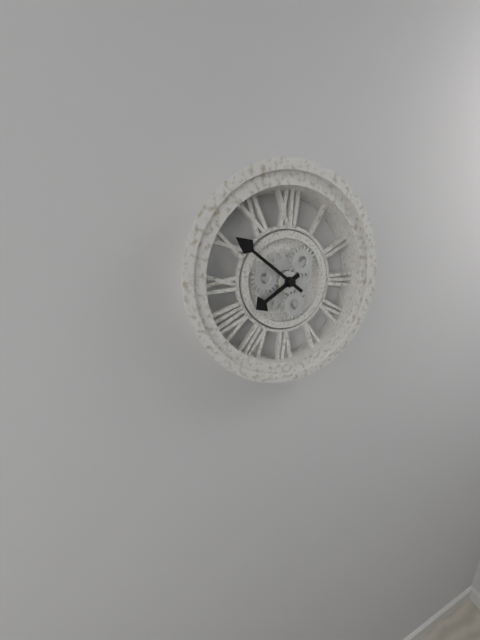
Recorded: 7.51
